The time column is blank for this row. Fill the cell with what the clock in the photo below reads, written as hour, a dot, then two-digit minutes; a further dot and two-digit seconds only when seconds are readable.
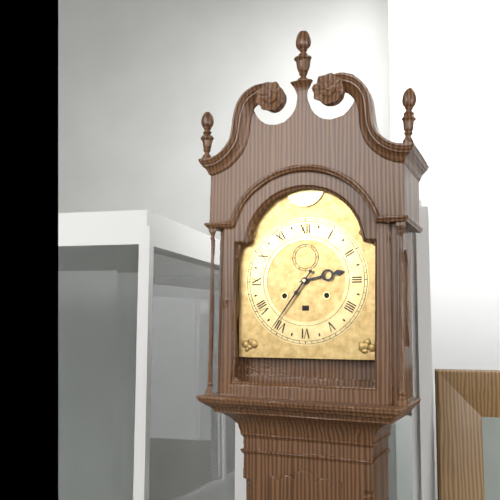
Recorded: 2.36
